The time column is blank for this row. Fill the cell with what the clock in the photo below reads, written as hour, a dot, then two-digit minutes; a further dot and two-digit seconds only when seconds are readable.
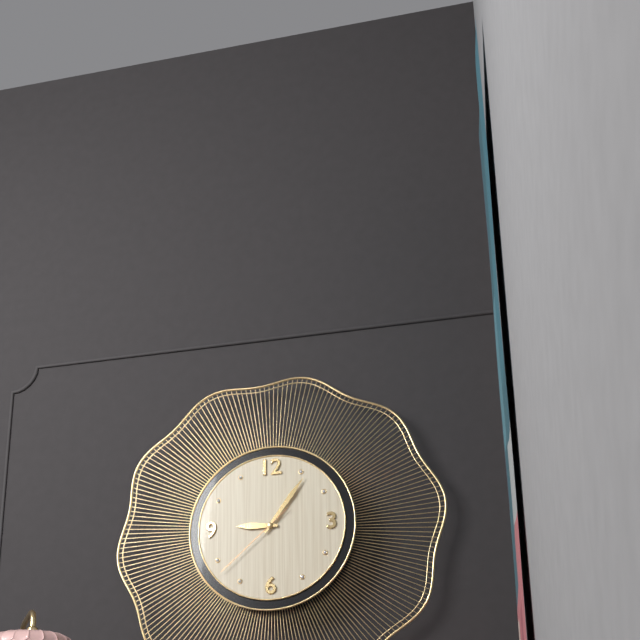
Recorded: 9.06.38
